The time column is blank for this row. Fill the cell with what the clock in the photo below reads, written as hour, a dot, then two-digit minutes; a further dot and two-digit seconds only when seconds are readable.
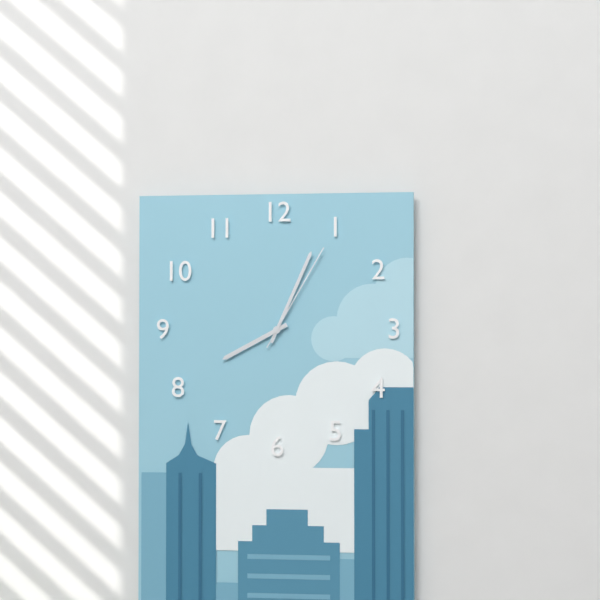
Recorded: 8.04.05
